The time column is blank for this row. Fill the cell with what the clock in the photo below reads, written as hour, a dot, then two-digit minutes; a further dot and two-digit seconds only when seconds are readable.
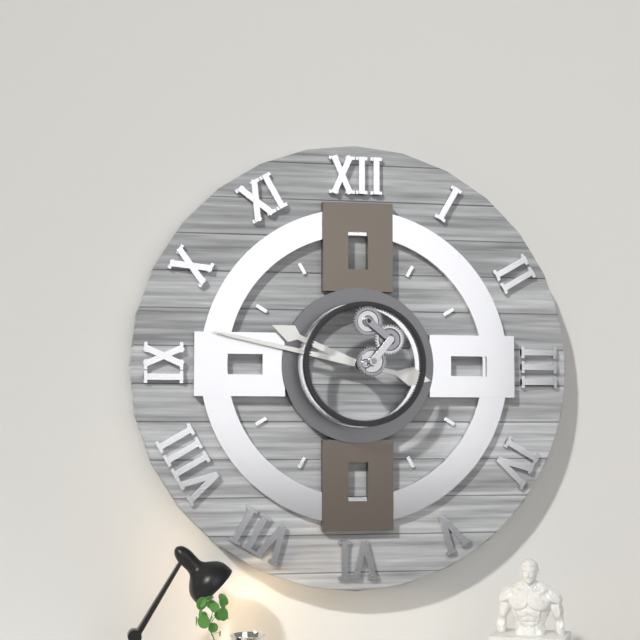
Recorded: 9.47
